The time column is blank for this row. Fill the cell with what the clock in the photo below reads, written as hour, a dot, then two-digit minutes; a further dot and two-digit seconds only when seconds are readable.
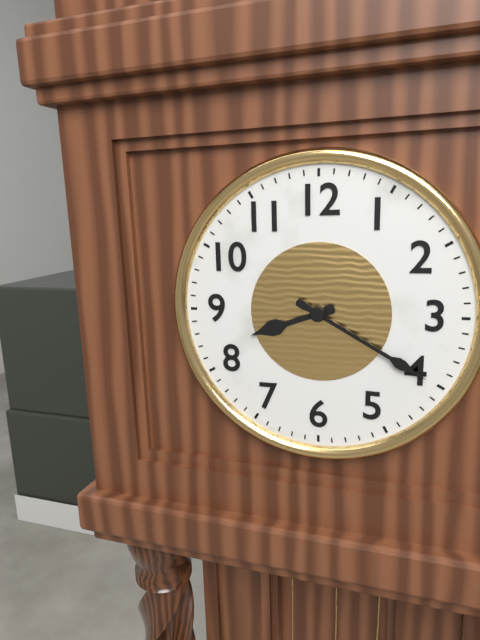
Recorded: 8.20
